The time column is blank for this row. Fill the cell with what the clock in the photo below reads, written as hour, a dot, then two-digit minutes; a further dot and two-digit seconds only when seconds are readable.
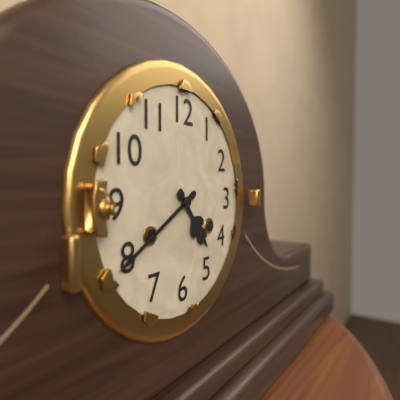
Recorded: 4.40
